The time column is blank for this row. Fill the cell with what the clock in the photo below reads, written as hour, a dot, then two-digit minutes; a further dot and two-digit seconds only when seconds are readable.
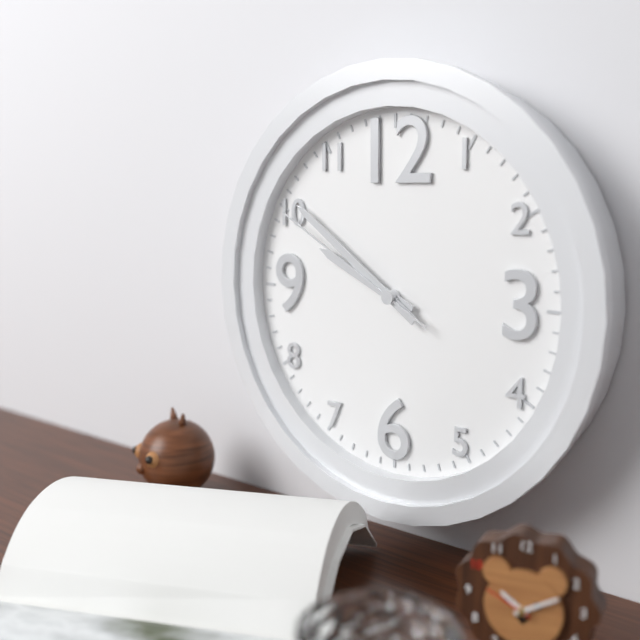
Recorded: 9.51.50
